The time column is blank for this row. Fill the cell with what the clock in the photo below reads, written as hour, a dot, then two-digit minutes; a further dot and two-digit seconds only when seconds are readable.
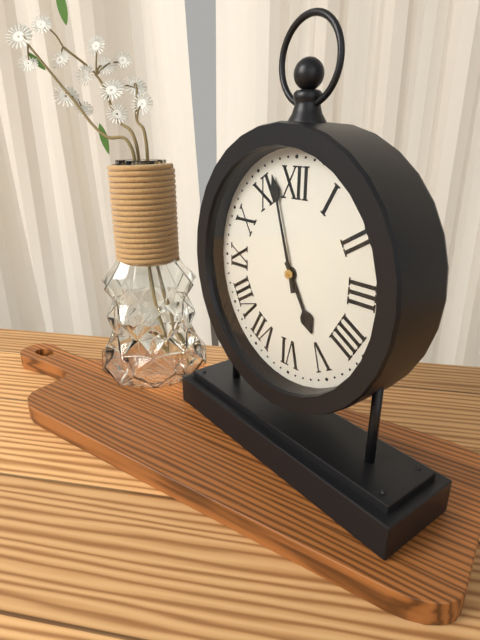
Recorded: 4.57
